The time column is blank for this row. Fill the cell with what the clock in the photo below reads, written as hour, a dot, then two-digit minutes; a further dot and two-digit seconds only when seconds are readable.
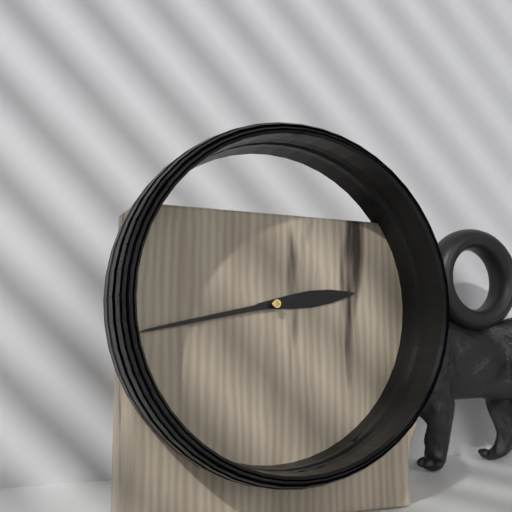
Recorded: 2.43
